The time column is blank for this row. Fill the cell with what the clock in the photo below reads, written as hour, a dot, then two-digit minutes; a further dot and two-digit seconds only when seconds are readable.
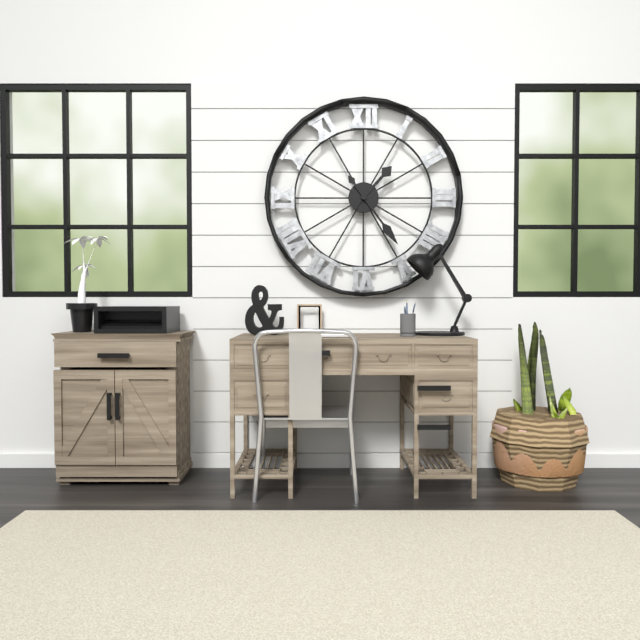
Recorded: 1.24
